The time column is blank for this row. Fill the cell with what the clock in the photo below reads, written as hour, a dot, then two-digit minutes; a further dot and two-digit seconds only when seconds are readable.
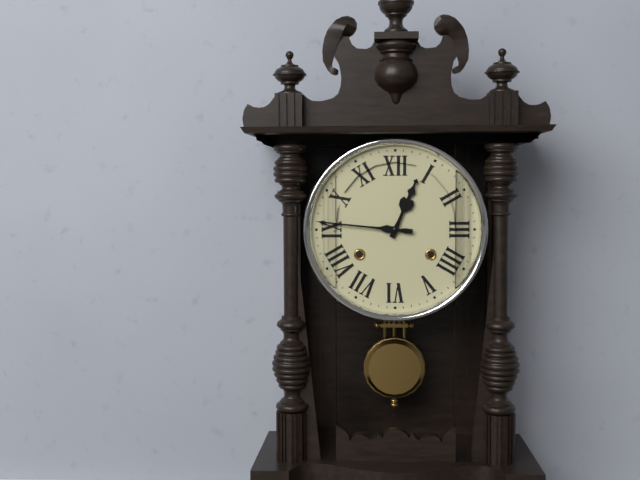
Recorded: 12.46
